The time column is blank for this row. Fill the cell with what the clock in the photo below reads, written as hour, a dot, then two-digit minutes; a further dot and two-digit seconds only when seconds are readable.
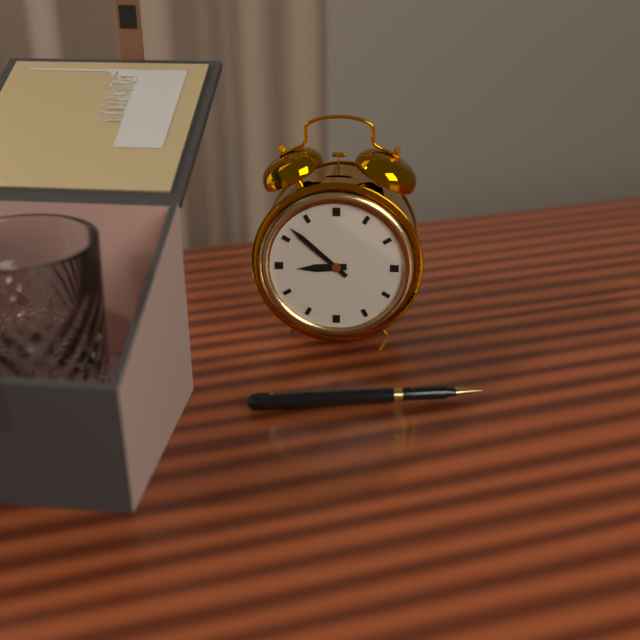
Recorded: 8.52
